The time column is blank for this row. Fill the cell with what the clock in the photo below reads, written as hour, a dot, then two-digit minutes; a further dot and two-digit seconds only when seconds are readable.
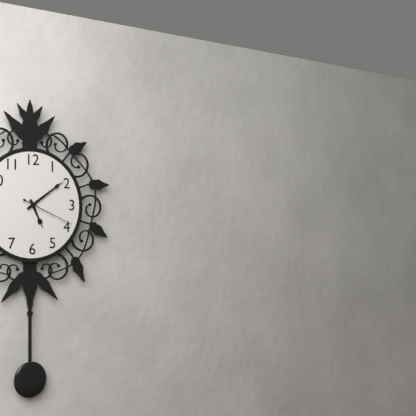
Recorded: 5.09.19
